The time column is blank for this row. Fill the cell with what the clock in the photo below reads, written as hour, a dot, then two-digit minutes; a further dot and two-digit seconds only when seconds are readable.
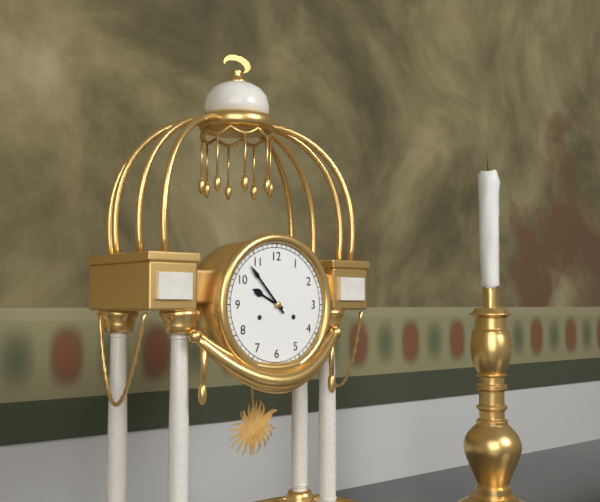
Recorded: 9.53
